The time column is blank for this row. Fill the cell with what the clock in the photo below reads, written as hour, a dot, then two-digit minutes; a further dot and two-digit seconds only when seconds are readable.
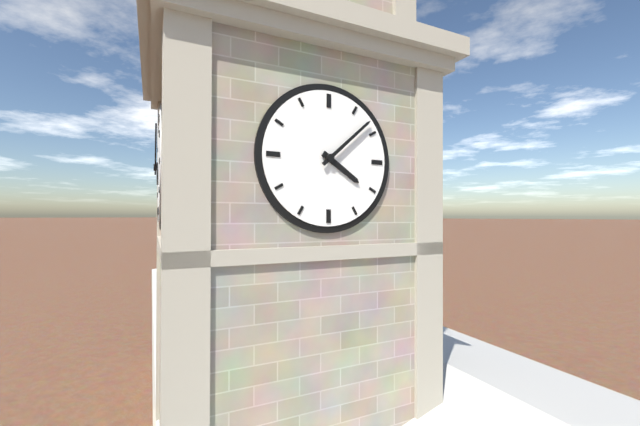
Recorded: 4.08
